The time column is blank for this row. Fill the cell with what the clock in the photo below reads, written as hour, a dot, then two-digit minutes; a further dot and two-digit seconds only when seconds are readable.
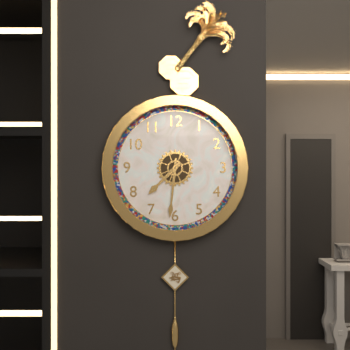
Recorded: 7.31
